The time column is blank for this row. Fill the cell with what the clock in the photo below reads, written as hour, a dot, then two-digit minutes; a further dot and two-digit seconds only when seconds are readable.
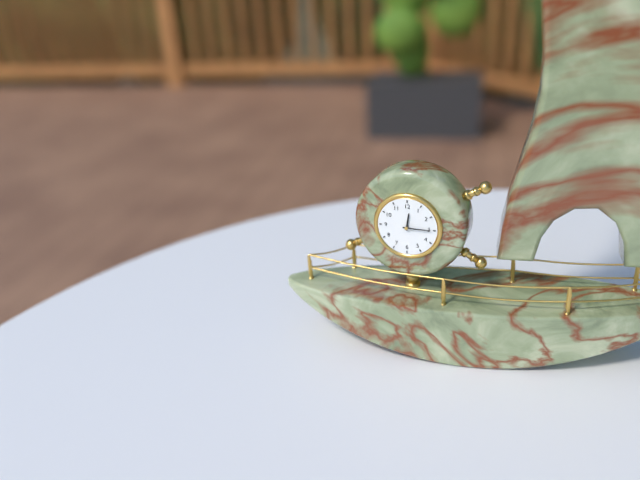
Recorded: 12.15
